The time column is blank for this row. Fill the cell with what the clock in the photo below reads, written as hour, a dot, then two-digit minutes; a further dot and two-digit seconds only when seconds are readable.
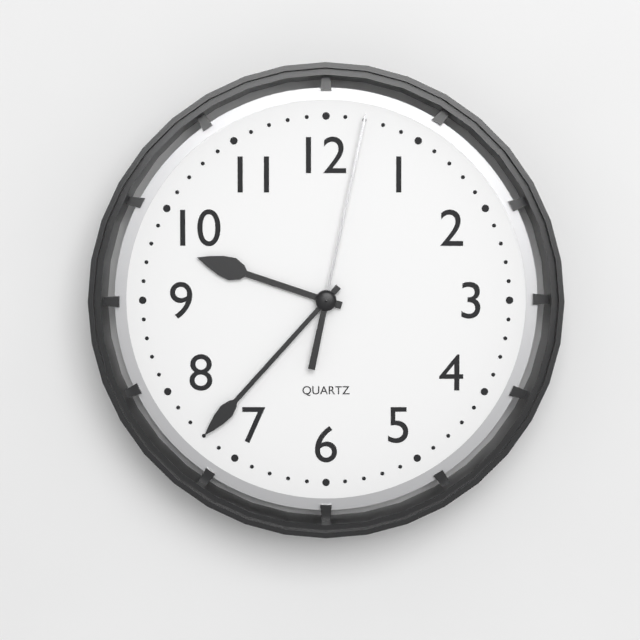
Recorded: 9.37.02
